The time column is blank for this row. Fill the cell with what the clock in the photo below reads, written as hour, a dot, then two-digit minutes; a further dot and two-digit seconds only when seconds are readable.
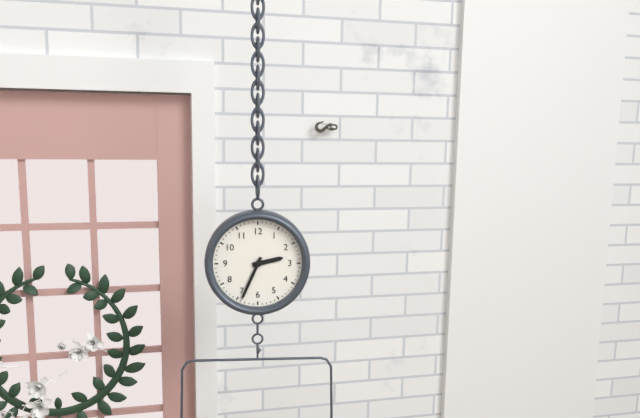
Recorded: 2.34
